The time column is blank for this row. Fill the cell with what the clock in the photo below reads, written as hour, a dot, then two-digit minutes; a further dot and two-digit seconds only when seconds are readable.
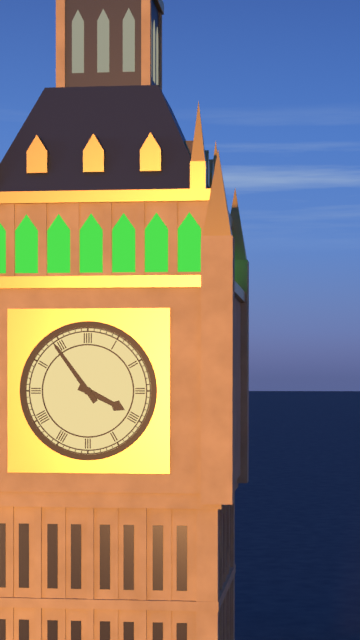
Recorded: 3.54
